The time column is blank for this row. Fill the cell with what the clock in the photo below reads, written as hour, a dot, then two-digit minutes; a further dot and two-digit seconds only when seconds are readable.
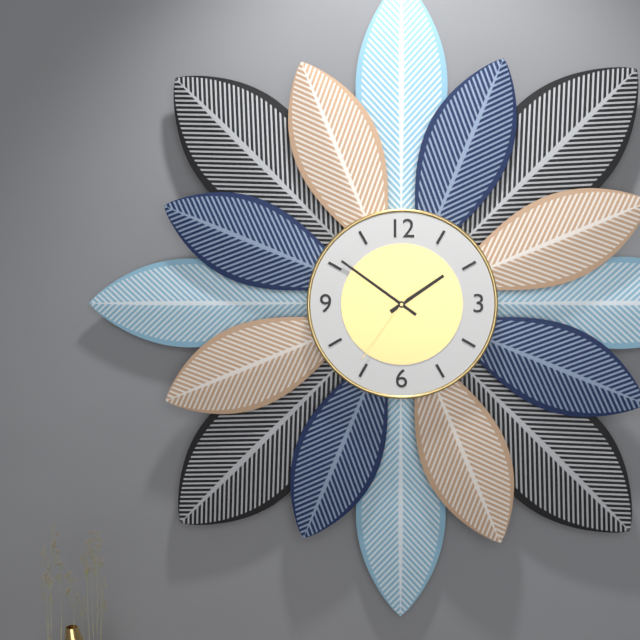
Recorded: 1.51.36
